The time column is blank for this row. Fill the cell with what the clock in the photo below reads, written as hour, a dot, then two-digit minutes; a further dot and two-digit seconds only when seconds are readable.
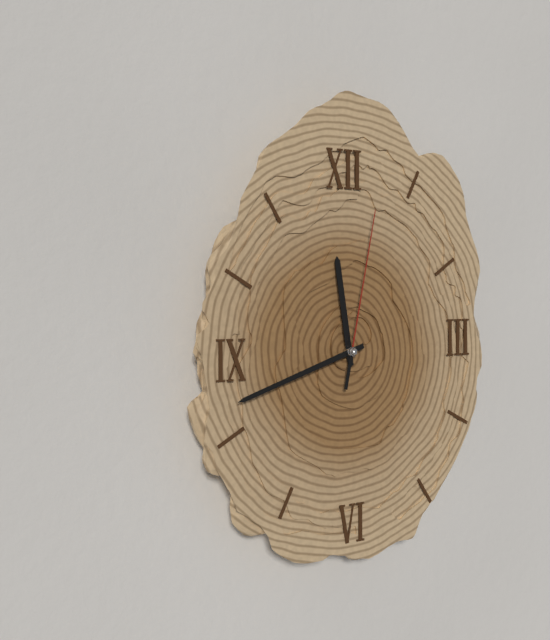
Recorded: 11.42.02
